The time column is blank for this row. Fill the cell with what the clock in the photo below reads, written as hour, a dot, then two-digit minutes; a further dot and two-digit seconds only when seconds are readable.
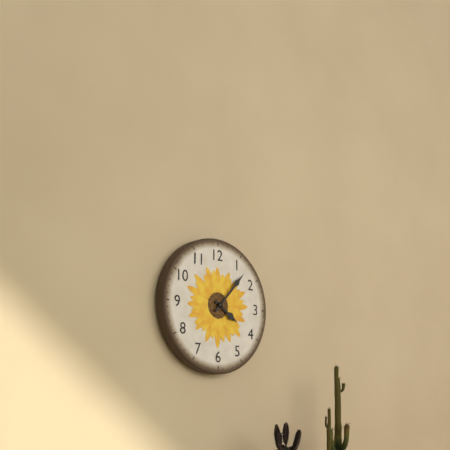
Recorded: 4.07
